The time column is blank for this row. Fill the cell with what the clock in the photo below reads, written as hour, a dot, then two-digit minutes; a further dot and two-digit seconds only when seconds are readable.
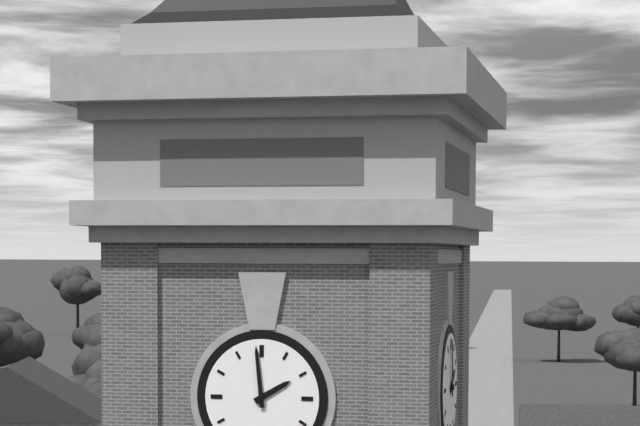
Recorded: 1.59
